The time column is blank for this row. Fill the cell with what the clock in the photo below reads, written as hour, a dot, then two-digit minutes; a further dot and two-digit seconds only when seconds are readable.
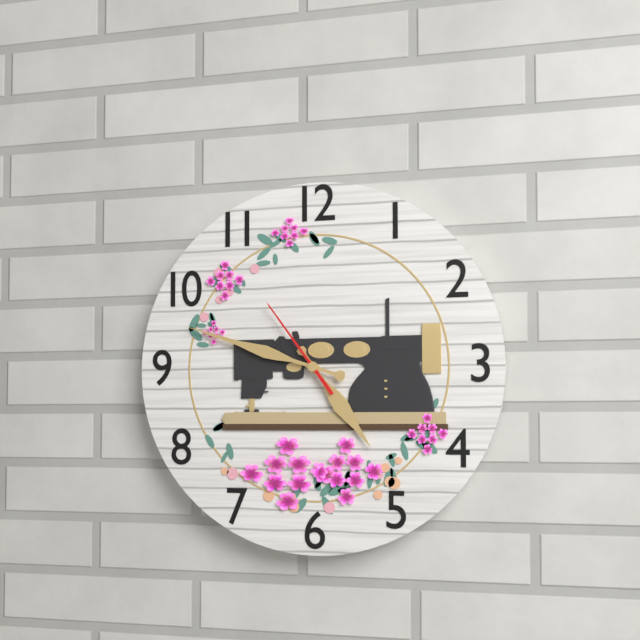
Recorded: 4.48.54
